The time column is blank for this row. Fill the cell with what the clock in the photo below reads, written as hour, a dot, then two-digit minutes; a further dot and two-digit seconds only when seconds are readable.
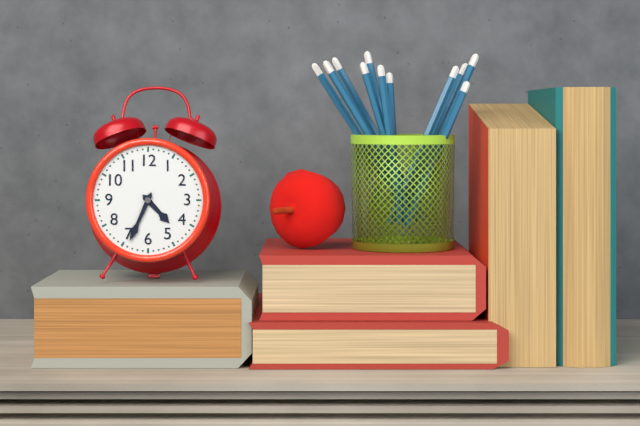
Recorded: 4.34
